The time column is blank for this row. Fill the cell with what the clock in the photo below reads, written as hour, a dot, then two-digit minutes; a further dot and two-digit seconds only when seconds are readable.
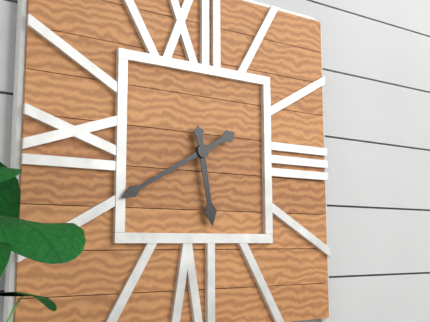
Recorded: 5.40
